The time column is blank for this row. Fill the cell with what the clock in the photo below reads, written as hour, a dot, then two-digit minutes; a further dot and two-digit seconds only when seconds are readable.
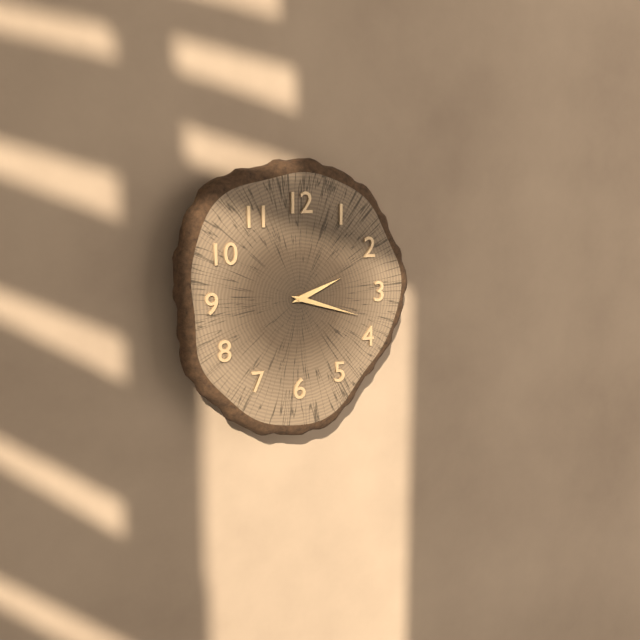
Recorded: 2.18
